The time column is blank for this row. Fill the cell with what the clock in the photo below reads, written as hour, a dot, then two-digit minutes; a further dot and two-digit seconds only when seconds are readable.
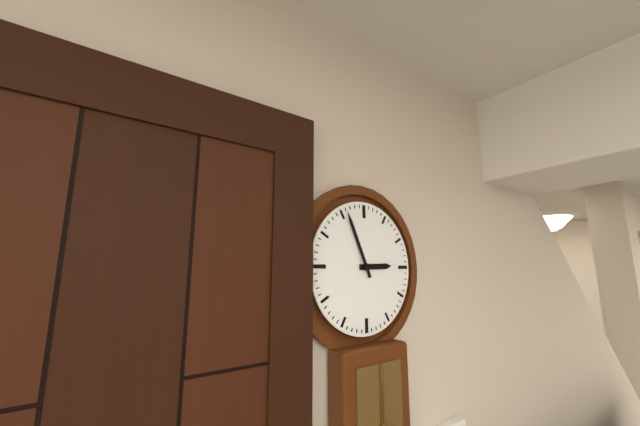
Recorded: 2.56
